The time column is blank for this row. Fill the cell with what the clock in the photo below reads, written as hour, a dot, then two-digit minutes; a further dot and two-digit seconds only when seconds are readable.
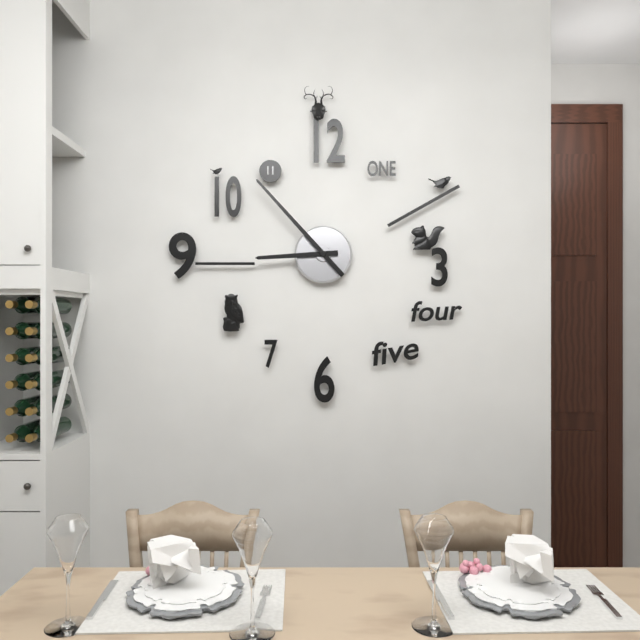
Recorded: 8.53
